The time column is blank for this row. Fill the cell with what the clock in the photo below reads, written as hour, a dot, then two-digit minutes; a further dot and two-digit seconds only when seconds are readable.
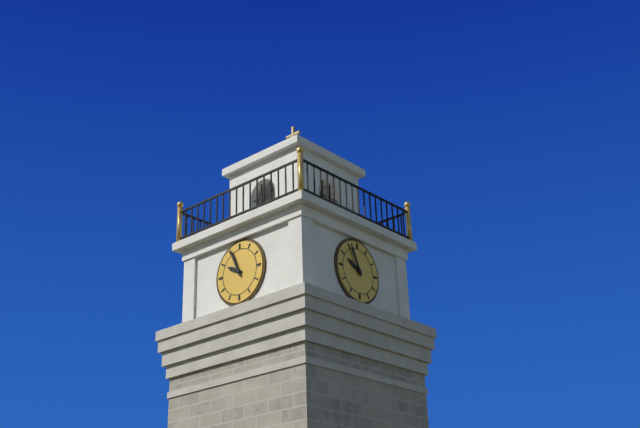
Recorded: 9.56
